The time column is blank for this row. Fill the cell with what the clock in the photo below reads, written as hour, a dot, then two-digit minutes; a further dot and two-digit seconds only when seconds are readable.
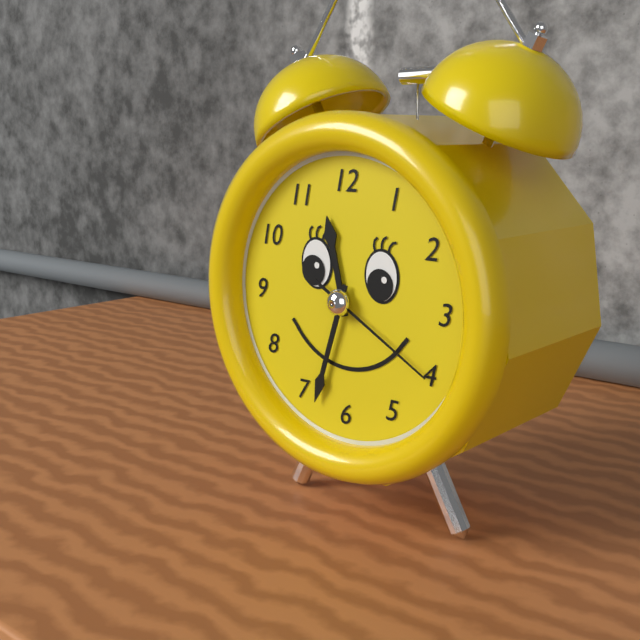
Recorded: 11.33.20
